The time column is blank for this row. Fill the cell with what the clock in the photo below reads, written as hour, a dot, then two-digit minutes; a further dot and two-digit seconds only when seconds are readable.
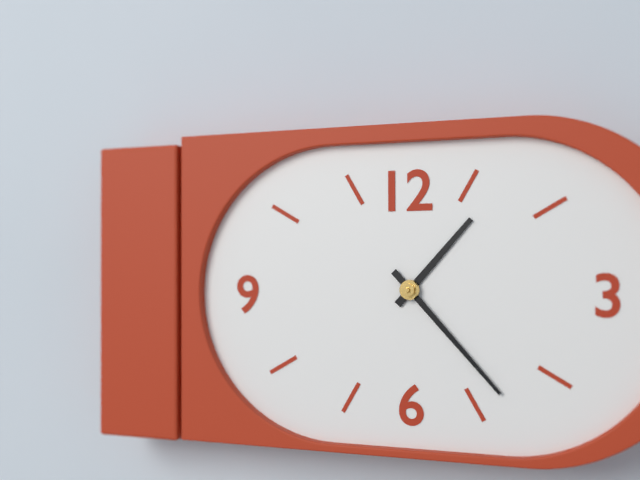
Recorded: 1.23
